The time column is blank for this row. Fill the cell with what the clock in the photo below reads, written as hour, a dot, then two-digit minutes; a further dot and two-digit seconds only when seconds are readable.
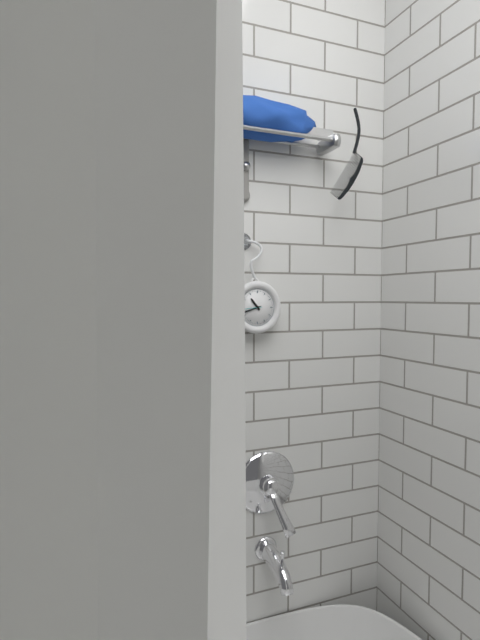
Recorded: 10.42
